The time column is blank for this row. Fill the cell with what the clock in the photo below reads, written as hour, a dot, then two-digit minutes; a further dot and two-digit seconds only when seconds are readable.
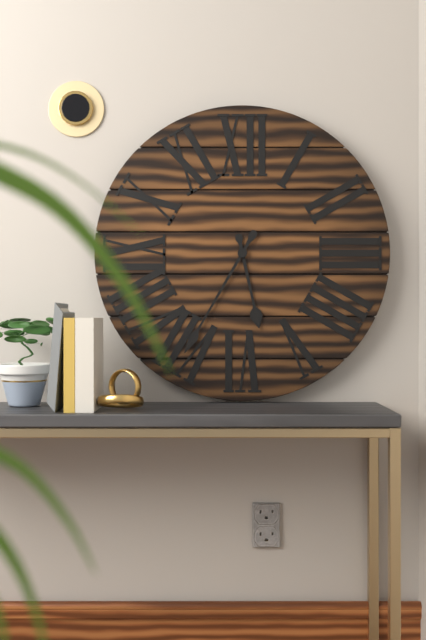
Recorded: 5.35
